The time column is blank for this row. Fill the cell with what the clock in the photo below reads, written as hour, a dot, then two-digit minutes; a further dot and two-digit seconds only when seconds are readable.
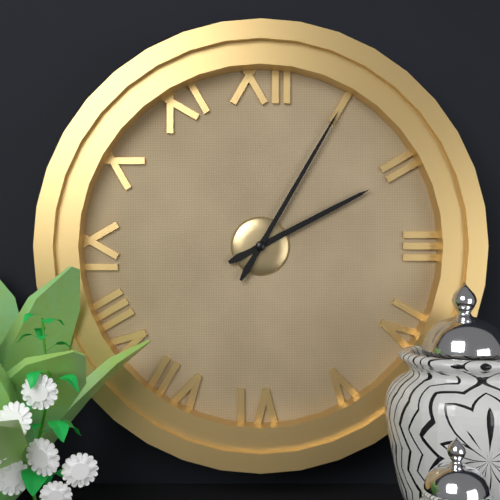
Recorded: 2.05
